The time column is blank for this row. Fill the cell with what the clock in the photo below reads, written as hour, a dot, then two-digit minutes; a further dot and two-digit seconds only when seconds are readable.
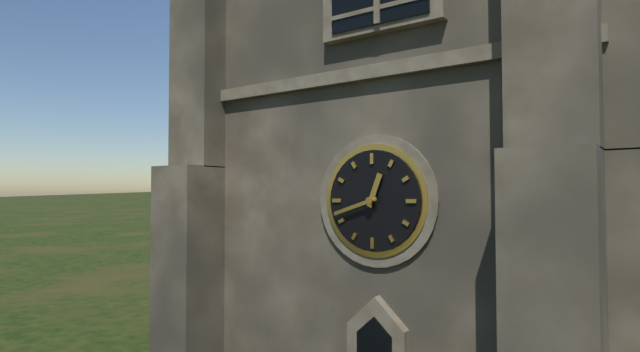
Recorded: 12.42
